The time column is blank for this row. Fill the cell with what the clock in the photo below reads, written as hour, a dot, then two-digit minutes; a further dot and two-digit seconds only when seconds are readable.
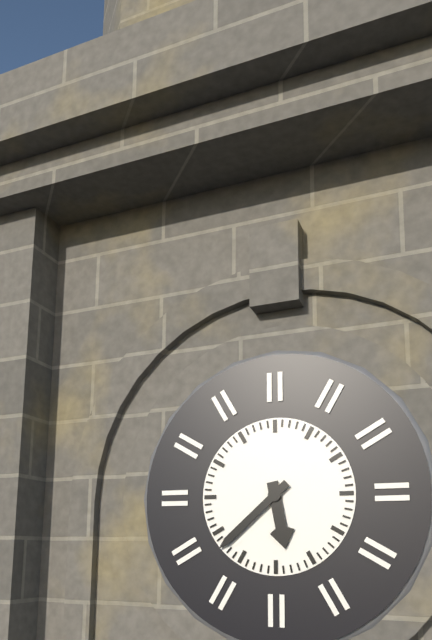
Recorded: 5.38
